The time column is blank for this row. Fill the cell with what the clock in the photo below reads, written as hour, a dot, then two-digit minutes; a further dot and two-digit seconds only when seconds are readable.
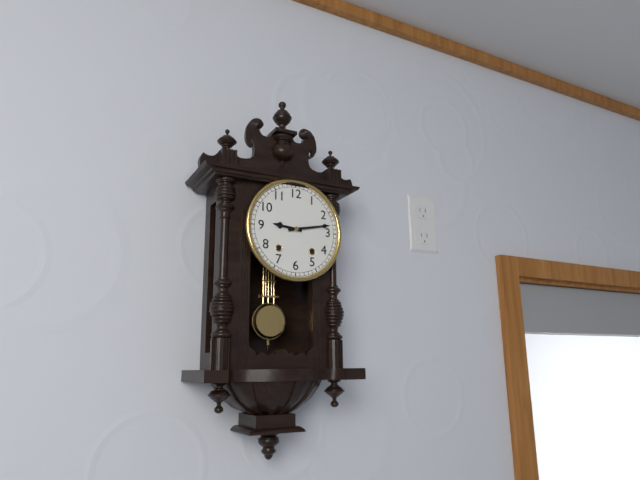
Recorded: 9.13
